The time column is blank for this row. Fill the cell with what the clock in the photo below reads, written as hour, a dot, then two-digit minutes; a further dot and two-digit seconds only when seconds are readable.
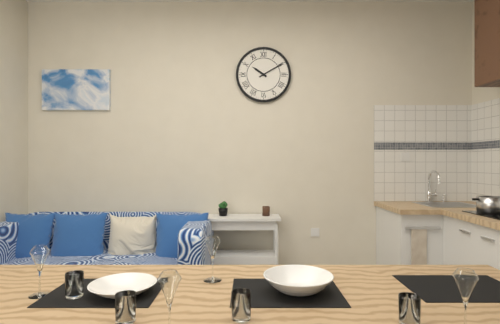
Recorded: 10.10
